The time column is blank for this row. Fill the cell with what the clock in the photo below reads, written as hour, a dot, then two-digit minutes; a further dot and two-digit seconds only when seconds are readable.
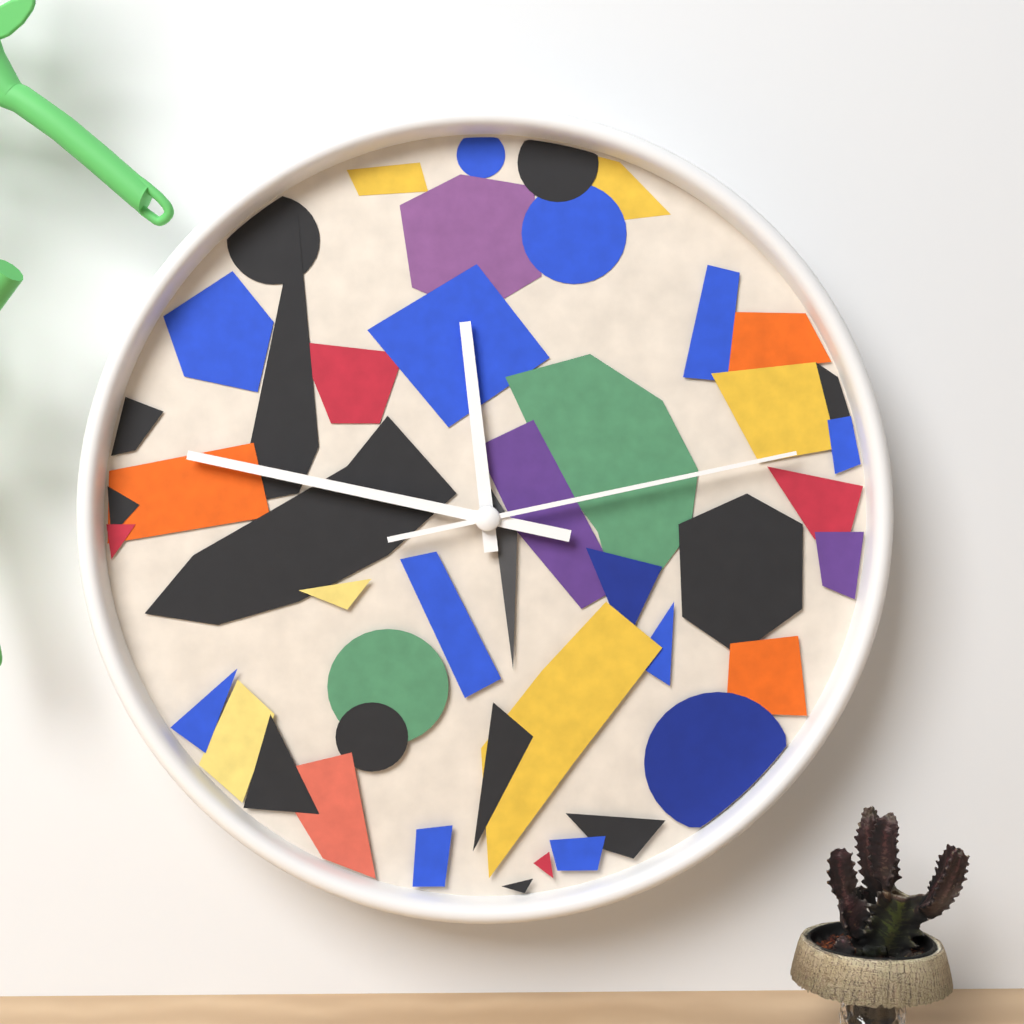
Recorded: 11.47.13
